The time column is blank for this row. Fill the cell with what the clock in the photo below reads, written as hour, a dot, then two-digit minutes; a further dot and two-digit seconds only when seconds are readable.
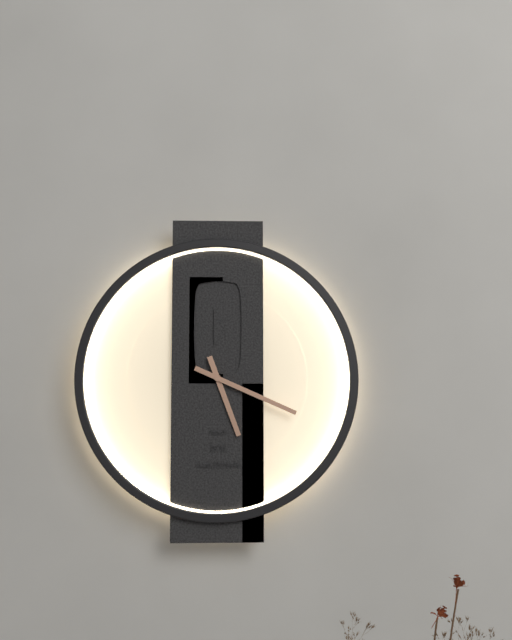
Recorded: 5.19
